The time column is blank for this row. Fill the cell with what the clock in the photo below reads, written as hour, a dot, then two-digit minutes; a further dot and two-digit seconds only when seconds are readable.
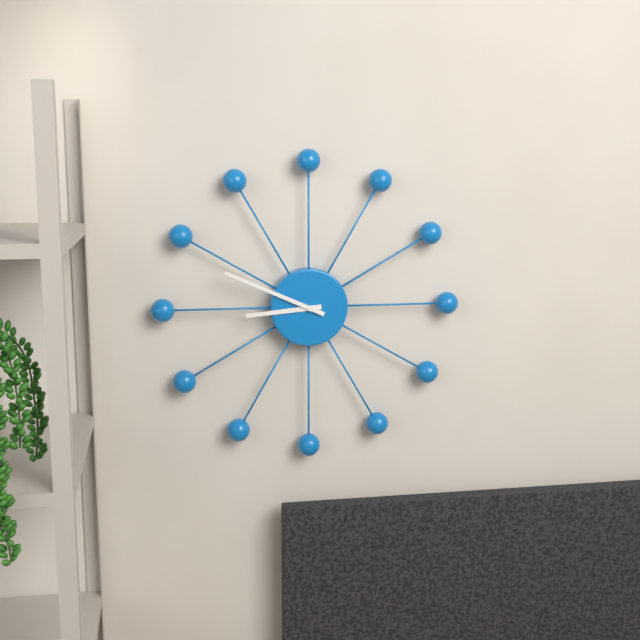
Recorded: 8.49
